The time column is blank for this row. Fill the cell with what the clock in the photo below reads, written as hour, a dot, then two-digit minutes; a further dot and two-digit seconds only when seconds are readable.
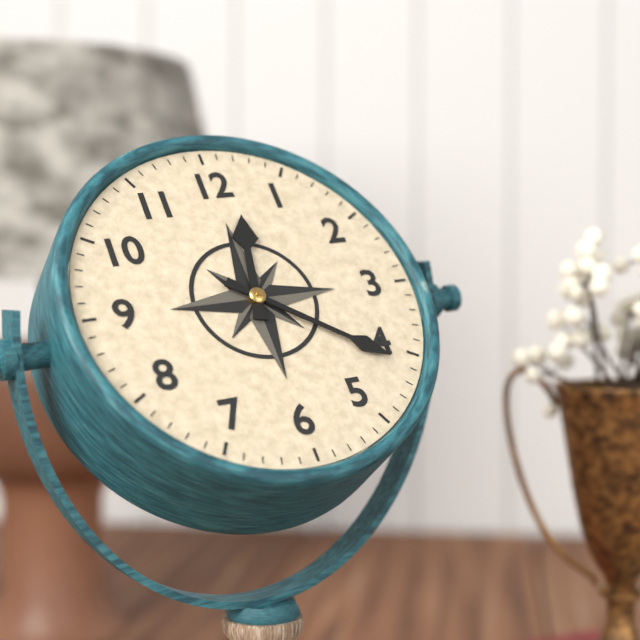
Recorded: 12.21
